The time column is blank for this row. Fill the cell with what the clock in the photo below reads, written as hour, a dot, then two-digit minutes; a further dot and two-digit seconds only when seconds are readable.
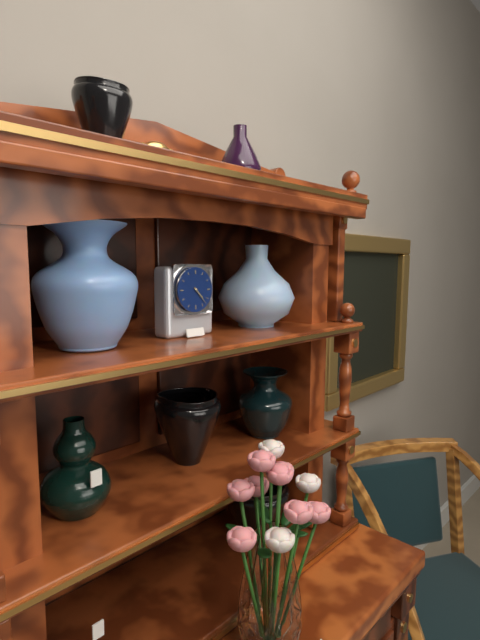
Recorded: 4.23
